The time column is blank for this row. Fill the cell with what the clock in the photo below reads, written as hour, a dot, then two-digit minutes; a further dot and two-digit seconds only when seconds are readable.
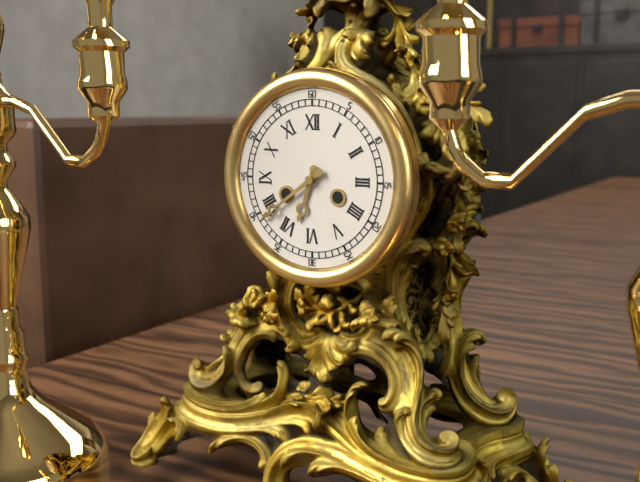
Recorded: 6.39
